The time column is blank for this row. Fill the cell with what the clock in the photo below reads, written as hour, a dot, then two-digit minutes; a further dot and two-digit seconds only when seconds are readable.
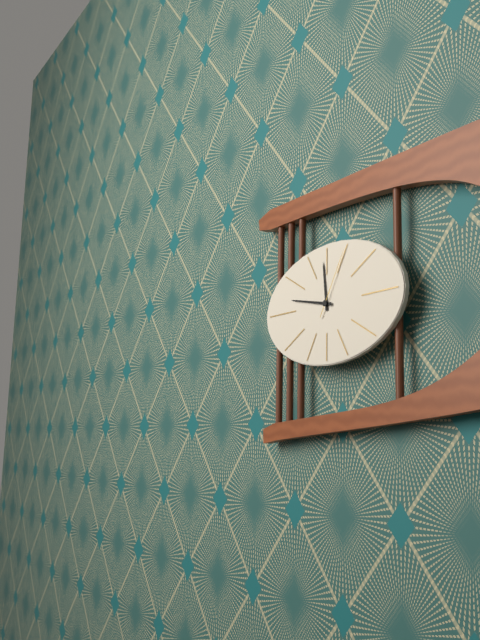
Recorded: 11.47.05
